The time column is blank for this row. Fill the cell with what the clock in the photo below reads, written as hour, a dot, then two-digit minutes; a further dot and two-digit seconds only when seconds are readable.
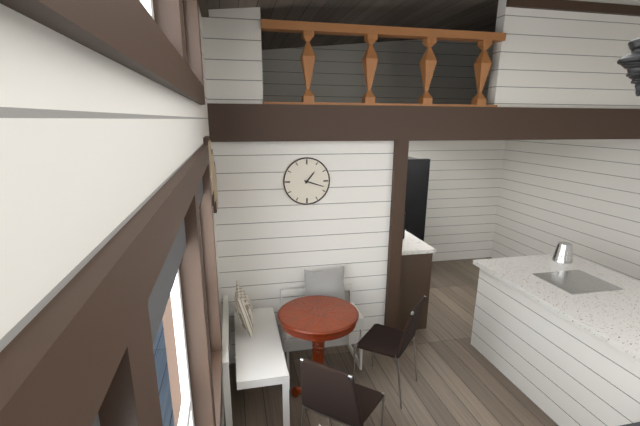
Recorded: 1.18
